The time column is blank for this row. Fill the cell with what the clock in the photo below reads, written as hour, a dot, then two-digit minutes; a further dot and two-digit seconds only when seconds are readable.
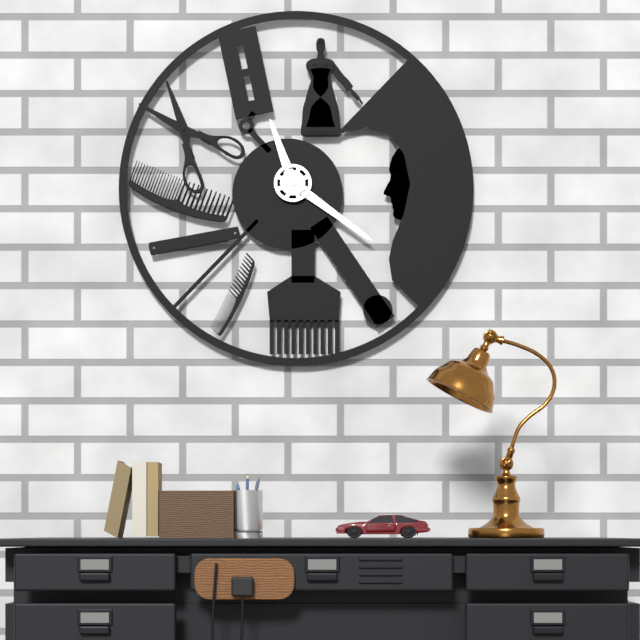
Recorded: 11.21
